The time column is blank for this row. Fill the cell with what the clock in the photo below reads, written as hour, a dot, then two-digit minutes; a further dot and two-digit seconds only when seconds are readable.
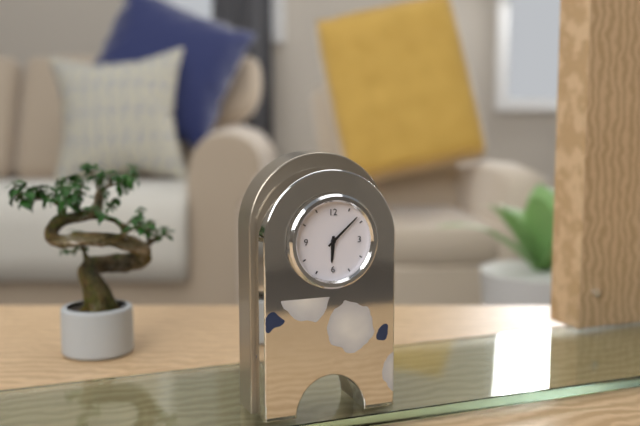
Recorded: 6.08
